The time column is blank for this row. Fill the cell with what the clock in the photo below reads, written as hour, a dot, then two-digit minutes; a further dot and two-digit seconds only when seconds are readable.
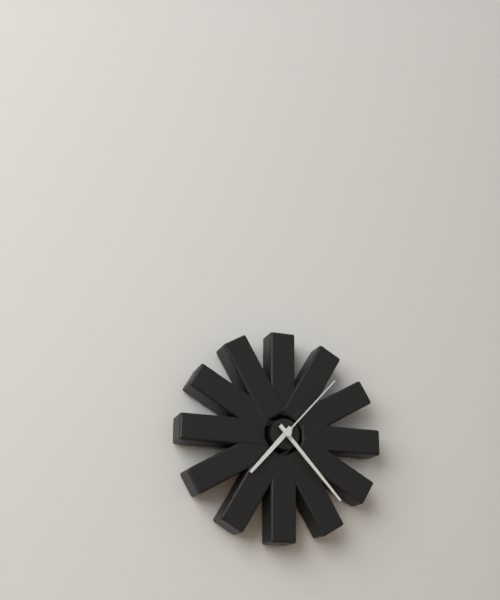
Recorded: 7.23.07
